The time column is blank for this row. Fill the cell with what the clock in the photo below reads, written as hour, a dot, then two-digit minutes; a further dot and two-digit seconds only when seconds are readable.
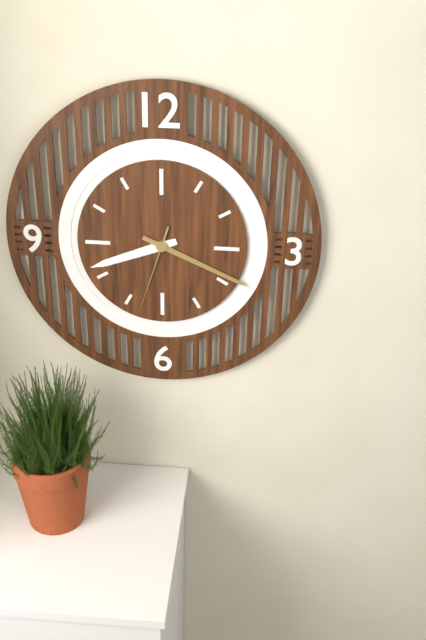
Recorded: 8.19.33
